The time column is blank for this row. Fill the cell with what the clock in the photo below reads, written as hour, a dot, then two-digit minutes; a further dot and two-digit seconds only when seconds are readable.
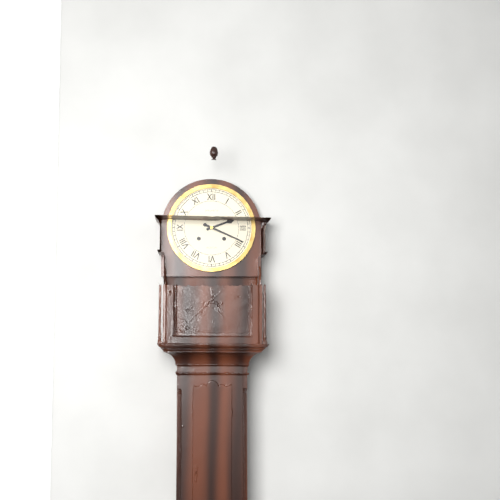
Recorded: 2.19
